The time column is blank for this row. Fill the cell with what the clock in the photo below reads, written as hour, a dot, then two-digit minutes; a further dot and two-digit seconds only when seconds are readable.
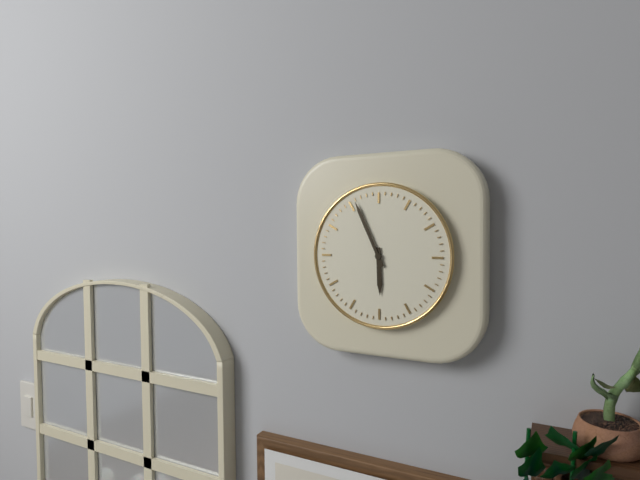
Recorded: 5.56
